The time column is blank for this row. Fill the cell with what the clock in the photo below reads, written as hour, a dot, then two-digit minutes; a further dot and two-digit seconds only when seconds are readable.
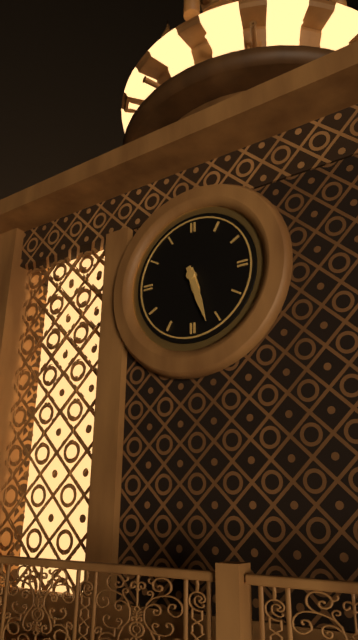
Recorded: 5.27
